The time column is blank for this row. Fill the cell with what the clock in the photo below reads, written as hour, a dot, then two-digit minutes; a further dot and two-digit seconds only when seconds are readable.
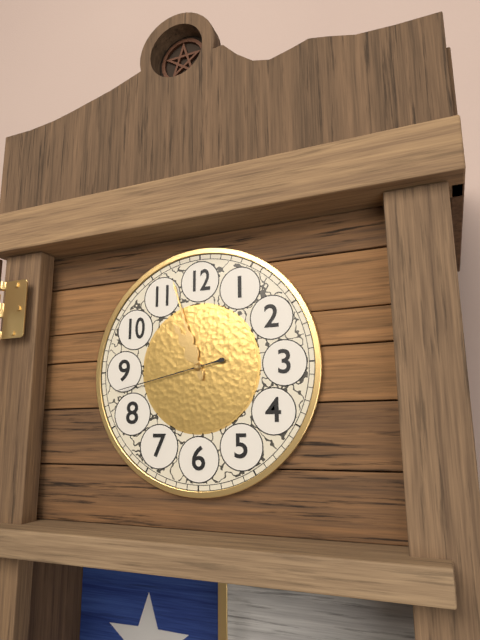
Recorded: 10.57.43
